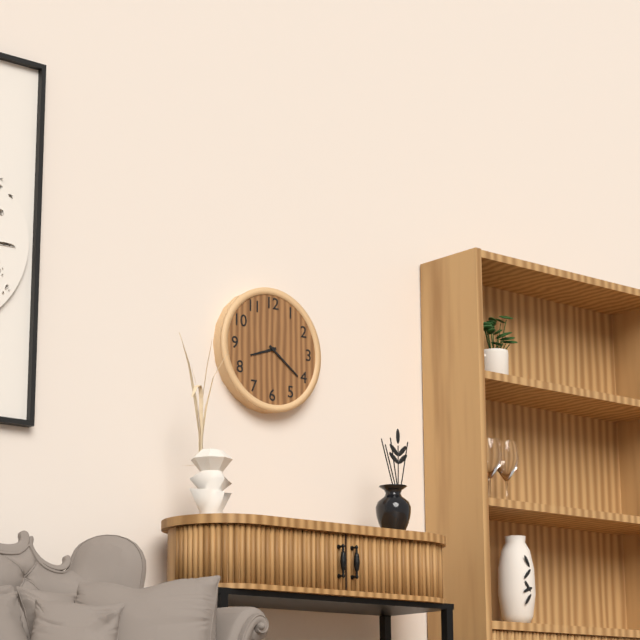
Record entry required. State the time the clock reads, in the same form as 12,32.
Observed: 8,21
